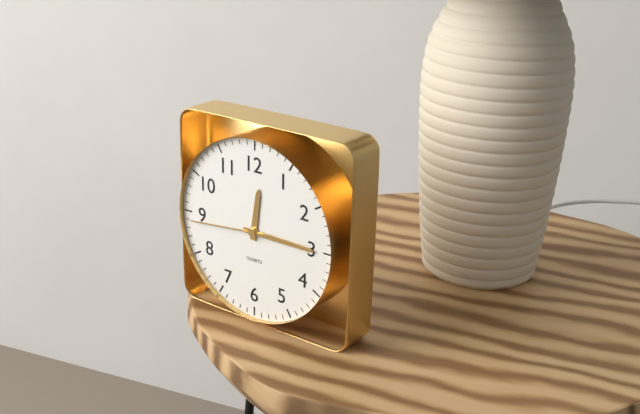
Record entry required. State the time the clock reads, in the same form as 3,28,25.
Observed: 12,15,44
